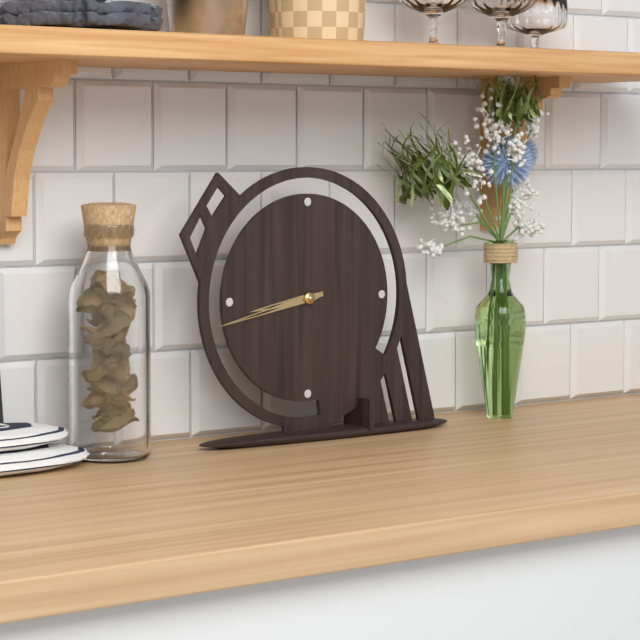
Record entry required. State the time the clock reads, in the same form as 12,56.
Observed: 8,43
